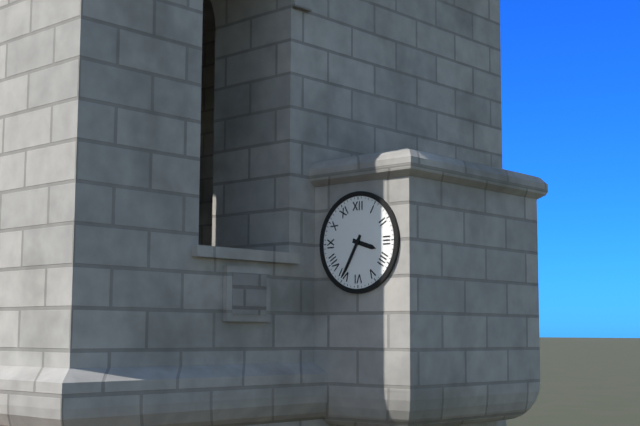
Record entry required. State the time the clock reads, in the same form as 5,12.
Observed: 3,35
